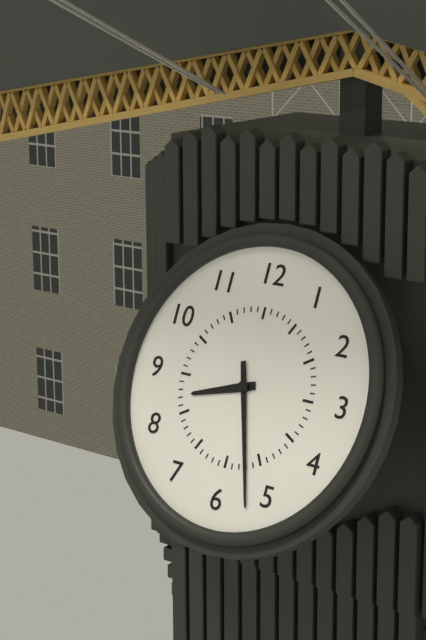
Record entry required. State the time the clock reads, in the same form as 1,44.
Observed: 8,27
